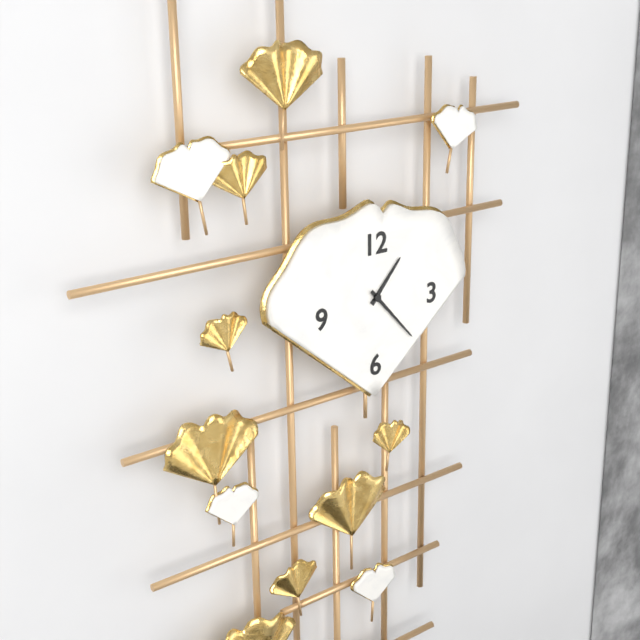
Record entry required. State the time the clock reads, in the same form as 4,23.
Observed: 1,23
